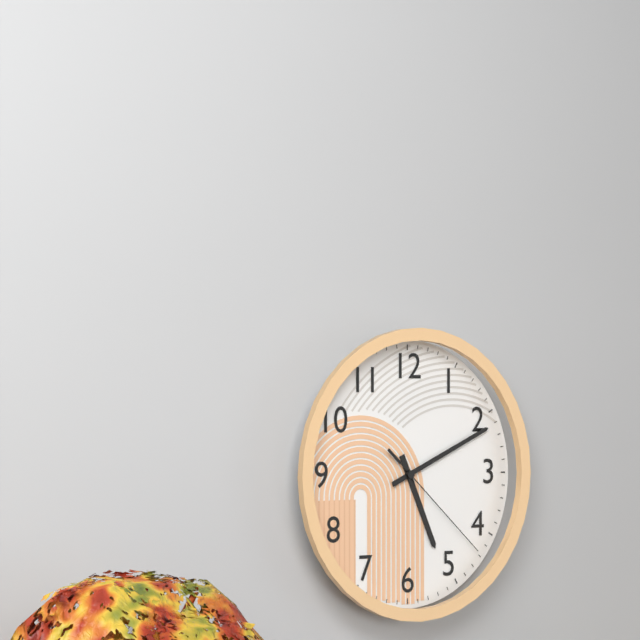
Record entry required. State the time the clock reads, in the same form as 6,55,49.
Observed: 5,11,22
